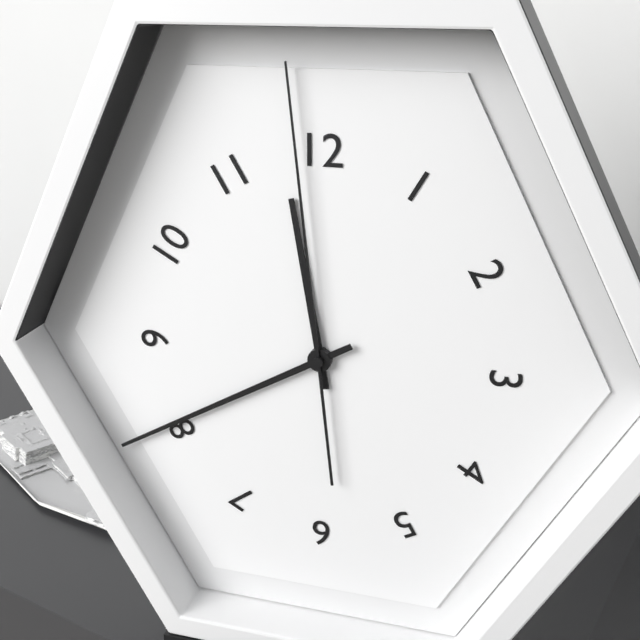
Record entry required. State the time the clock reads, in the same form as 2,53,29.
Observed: 11,40,59
